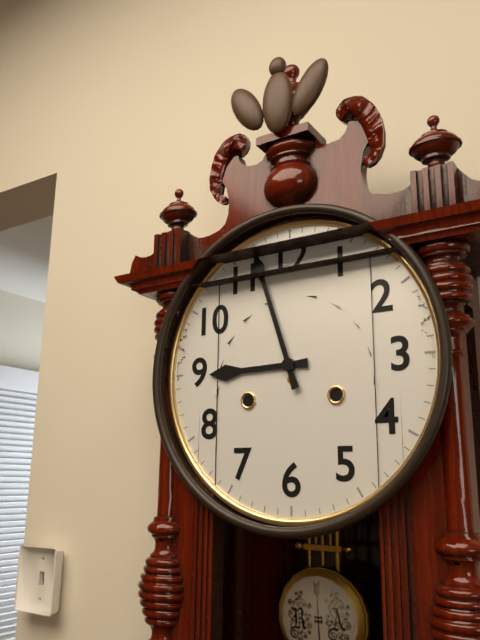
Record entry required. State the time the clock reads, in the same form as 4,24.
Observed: 8,57
